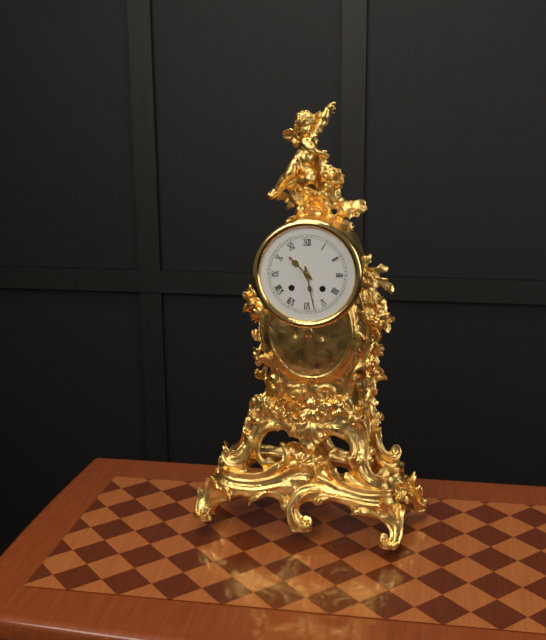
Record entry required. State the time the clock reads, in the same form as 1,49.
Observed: 10,28
